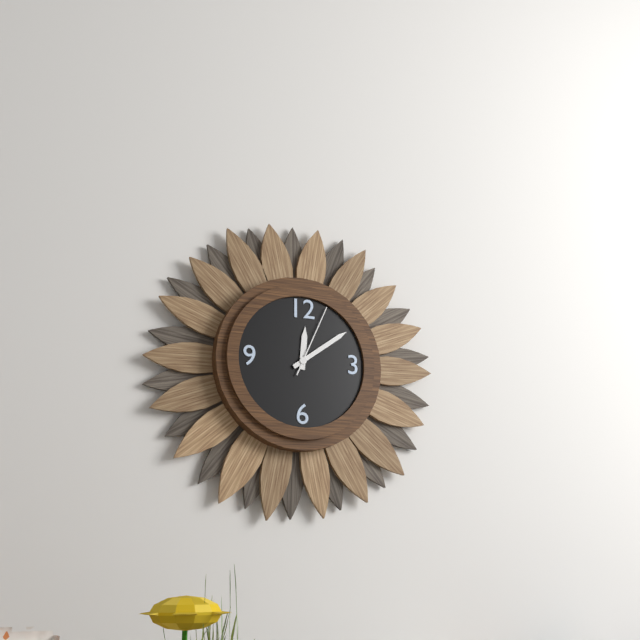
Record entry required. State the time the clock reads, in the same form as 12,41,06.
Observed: 12,09,04
